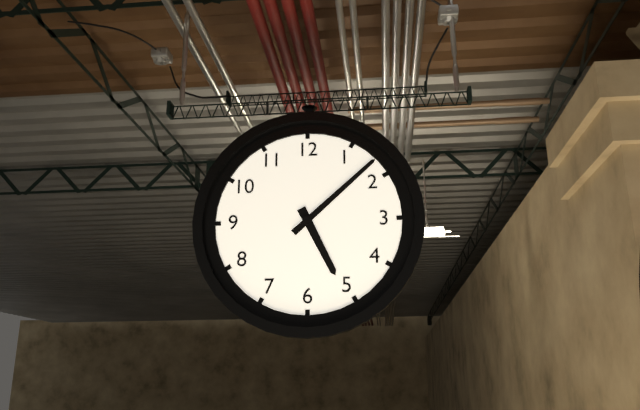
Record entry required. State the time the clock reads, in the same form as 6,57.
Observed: 5,08
